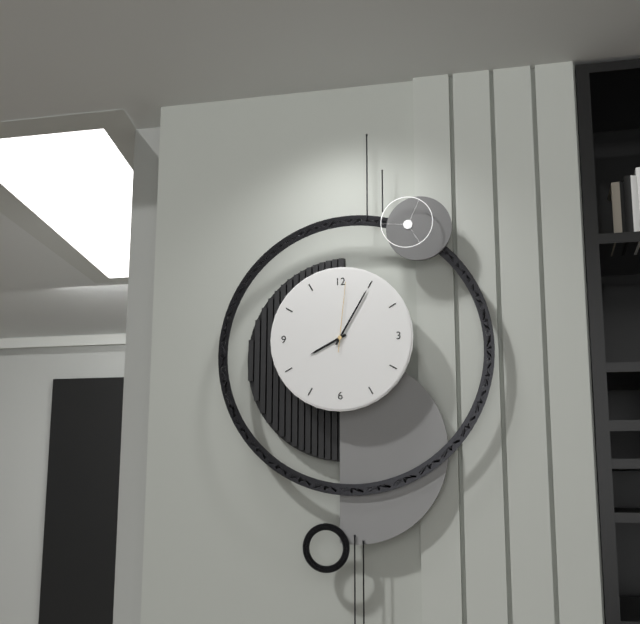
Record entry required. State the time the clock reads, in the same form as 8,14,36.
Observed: 8,05,01
